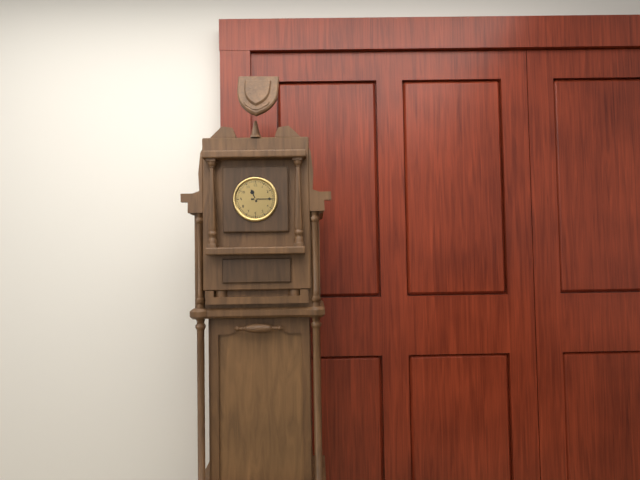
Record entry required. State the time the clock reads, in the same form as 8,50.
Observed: 11,15
